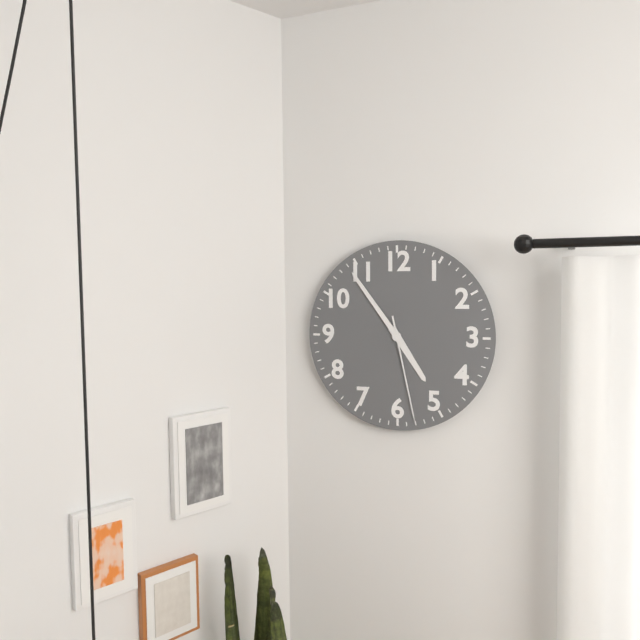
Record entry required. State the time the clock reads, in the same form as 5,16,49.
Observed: 4,54,28
